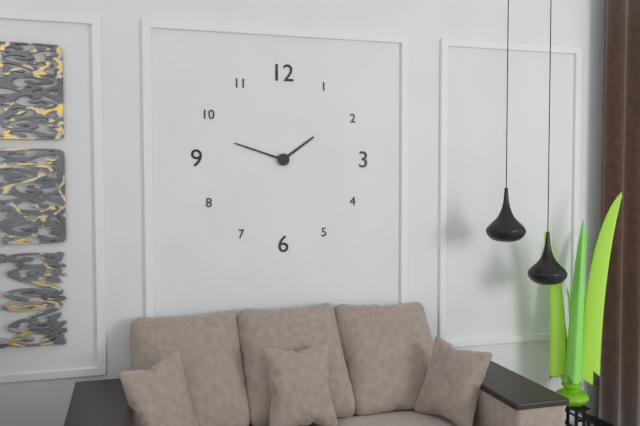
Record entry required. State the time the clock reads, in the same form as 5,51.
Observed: 1,48
